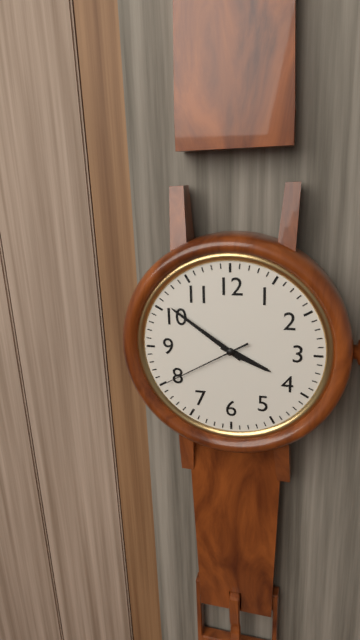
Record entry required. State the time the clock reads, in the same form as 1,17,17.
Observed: 3,51,40
